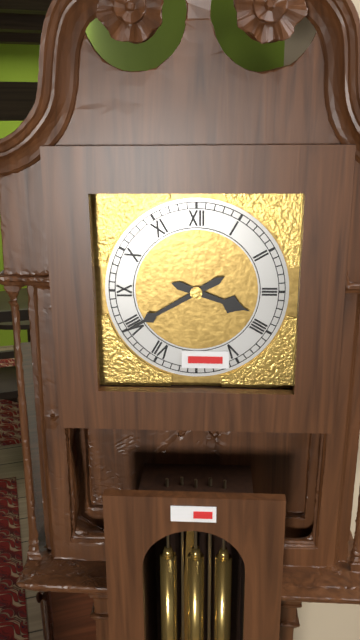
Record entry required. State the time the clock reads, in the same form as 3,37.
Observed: 3,40
